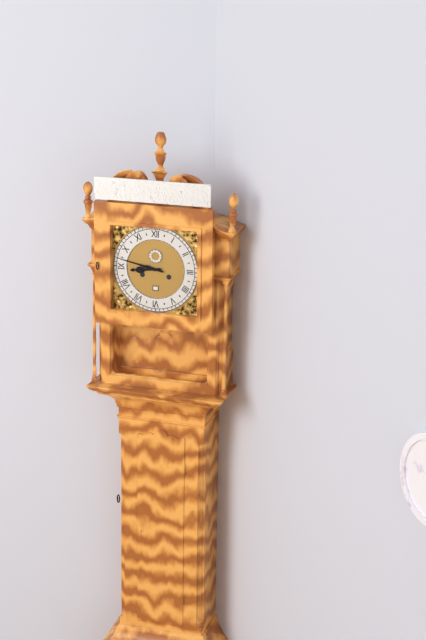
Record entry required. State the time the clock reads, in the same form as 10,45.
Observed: 8,47
